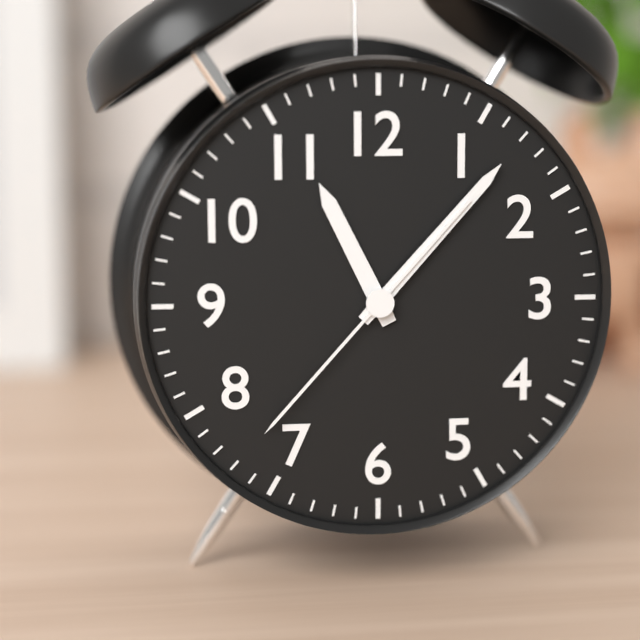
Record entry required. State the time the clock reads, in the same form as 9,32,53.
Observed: 11,07,37
